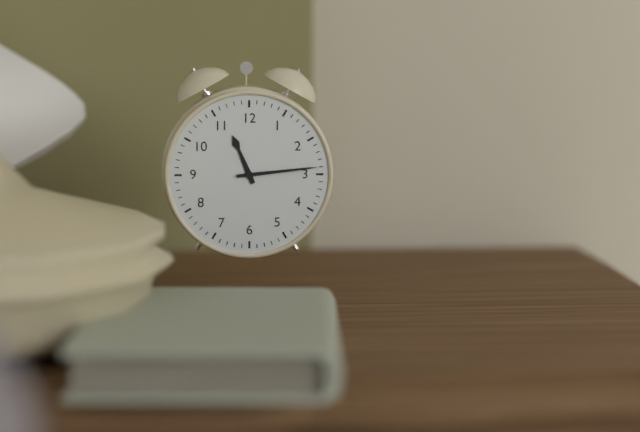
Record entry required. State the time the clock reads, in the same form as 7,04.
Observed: 11,14
